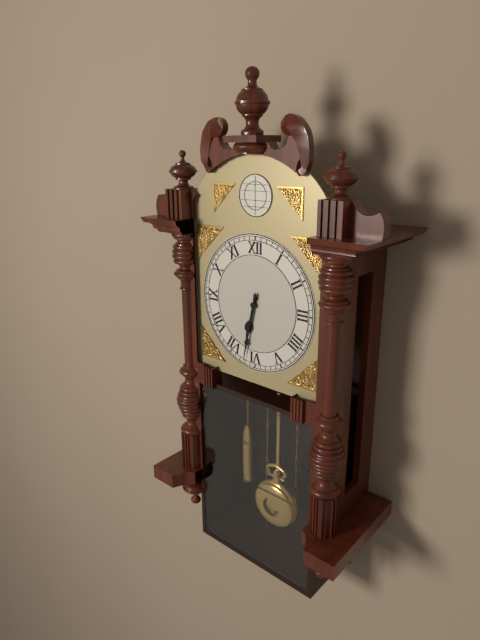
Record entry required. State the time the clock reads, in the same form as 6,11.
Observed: 6,32
